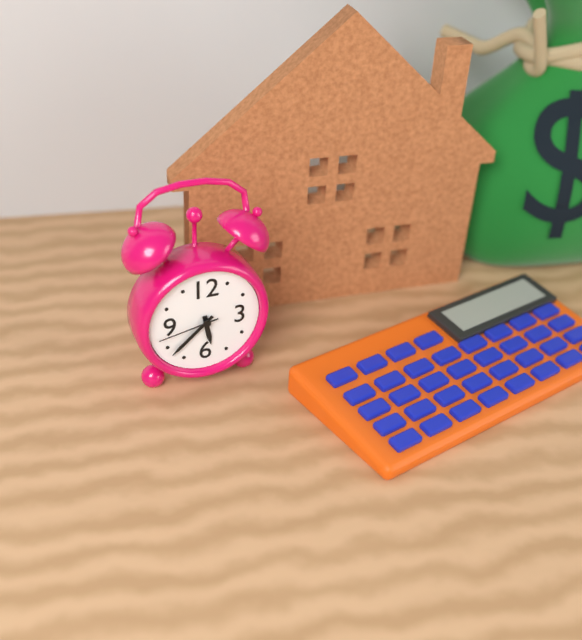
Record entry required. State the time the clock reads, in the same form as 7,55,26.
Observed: 5,38,43
